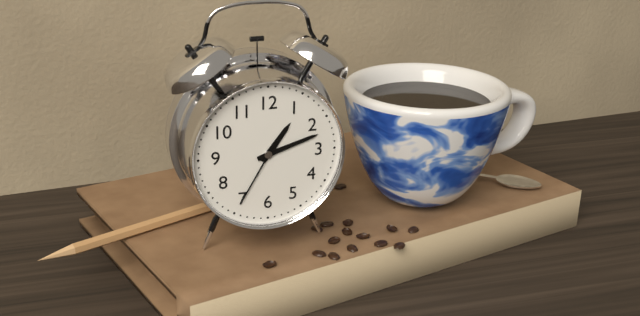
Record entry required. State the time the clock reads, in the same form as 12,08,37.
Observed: 1,12,35
